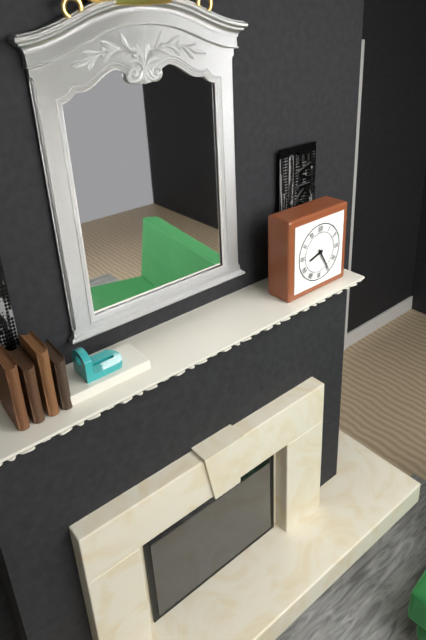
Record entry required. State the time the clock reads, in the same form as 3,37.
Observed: 8,25
